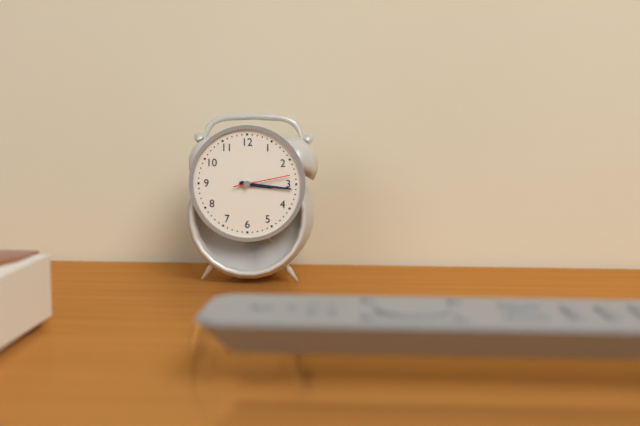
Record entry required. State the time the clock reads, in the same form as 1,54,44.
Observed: 3,16,13
